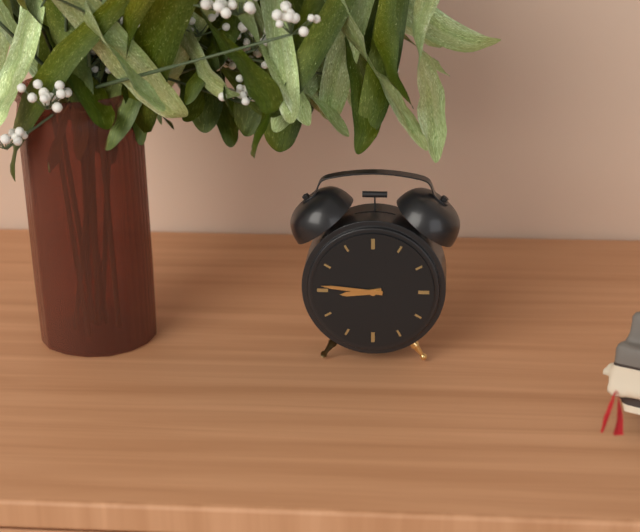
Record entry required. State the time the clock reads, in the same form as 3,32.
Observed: 8,46
